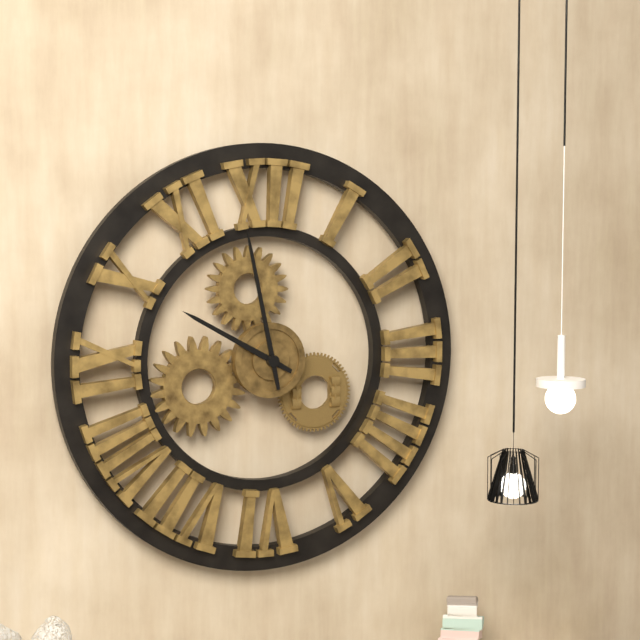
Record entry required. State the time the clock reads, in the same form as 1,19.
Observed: 9,58
